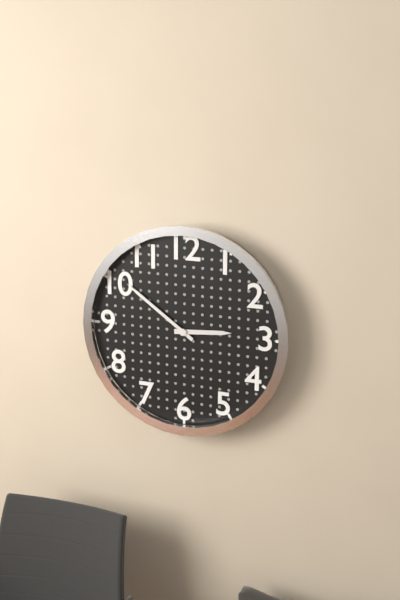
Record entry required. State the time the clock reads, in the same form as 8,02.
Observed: 2,51
